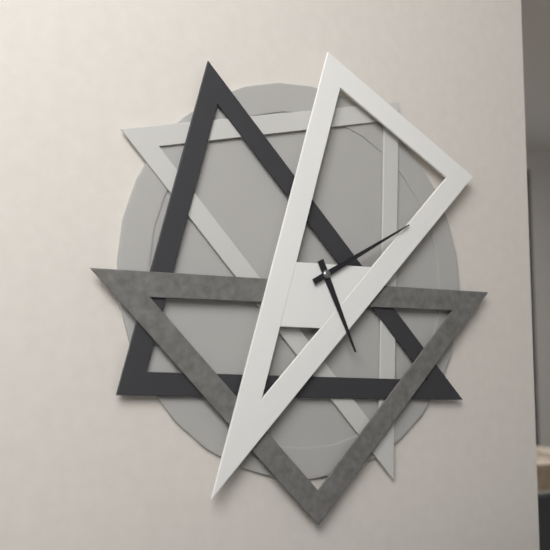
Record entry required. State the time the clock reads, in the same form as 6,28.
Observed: 5,10
